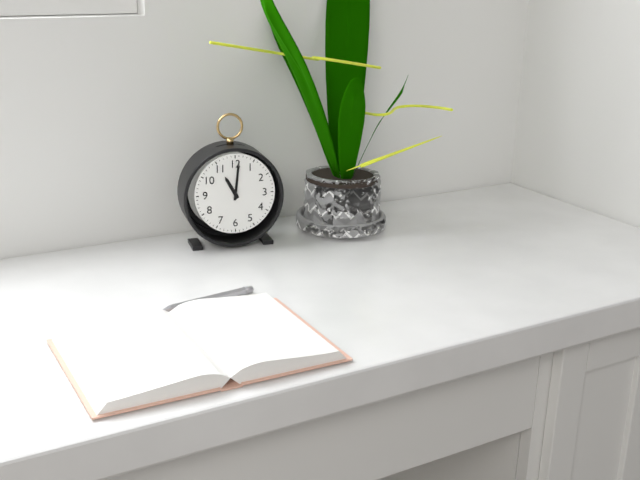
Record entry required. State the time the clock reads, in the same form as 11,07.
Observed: 11,01
